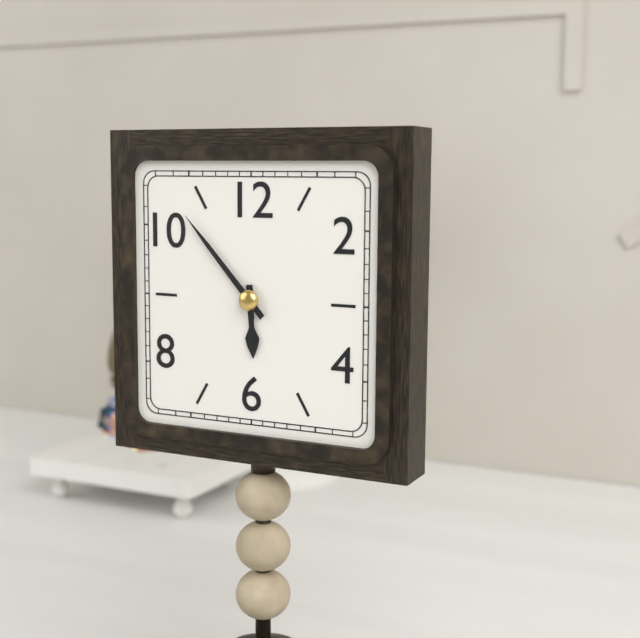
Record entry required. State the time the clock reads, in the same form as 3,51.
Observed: 5,53
